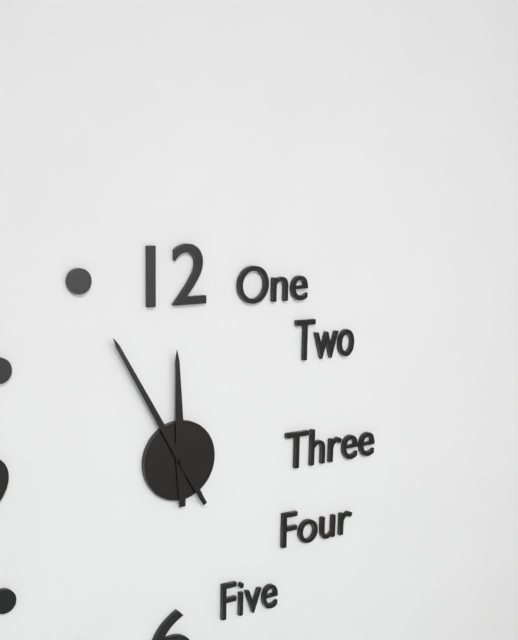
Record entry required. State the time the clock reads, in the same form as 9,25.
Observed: 11,55
